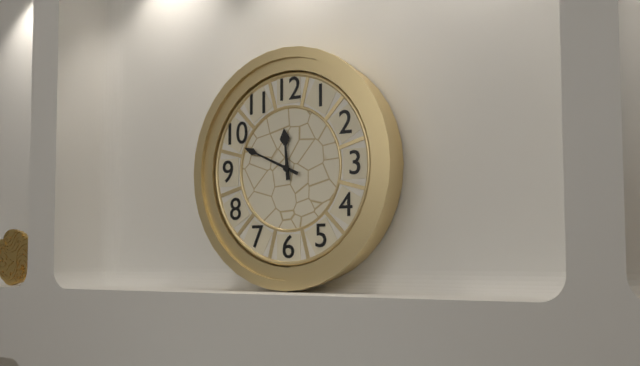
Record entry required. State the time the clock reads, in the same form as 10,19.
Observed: 11,49
